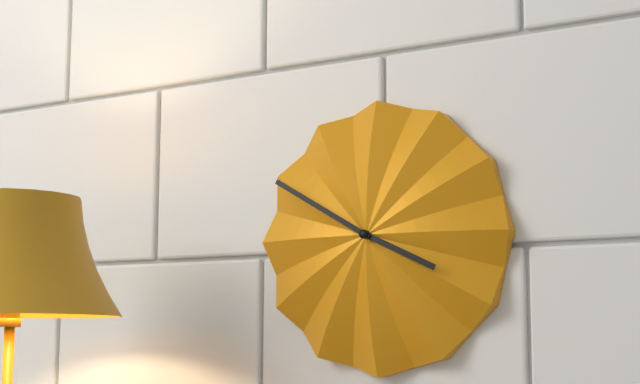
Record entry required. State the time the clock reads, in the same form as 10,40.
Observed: 3,50
